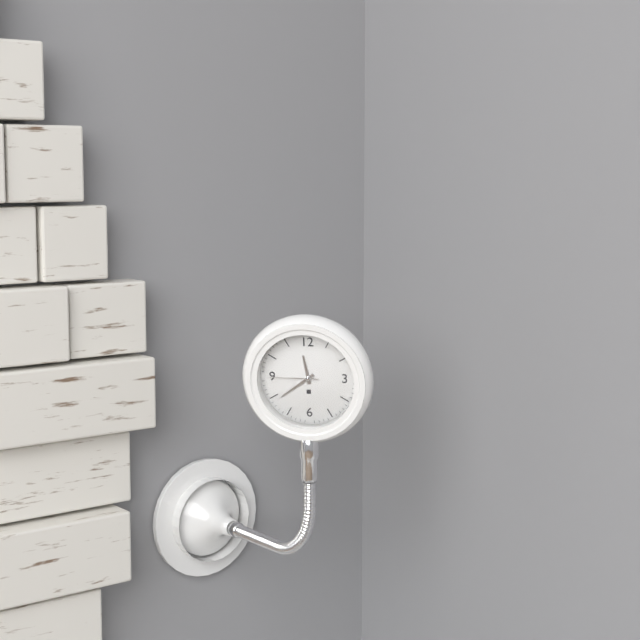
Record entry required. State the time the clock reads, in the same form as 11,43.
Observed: 11,39
